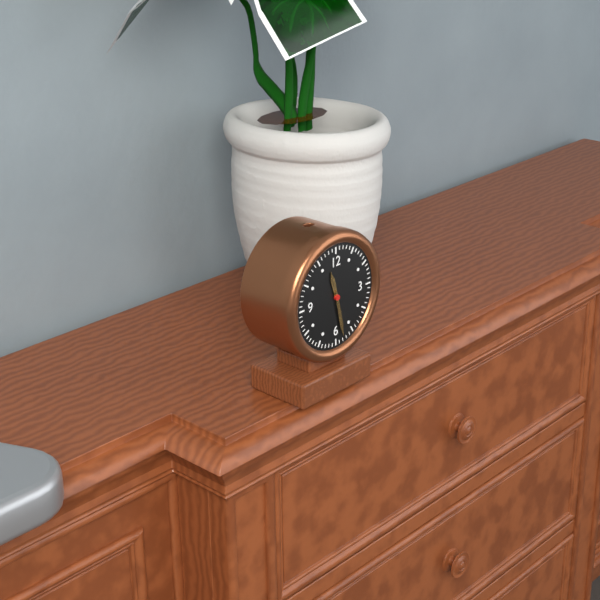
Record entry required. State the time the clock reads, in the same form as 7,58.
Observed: 11,28
